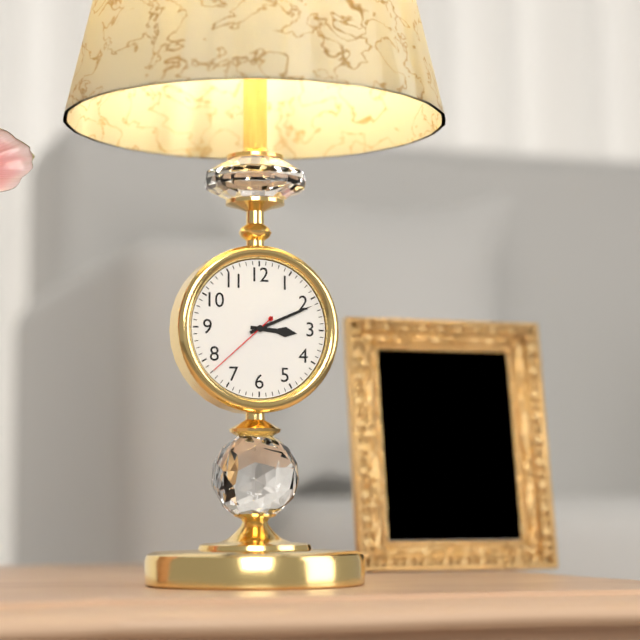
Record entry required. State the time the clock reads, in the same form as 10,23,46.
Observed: 3,11,38
